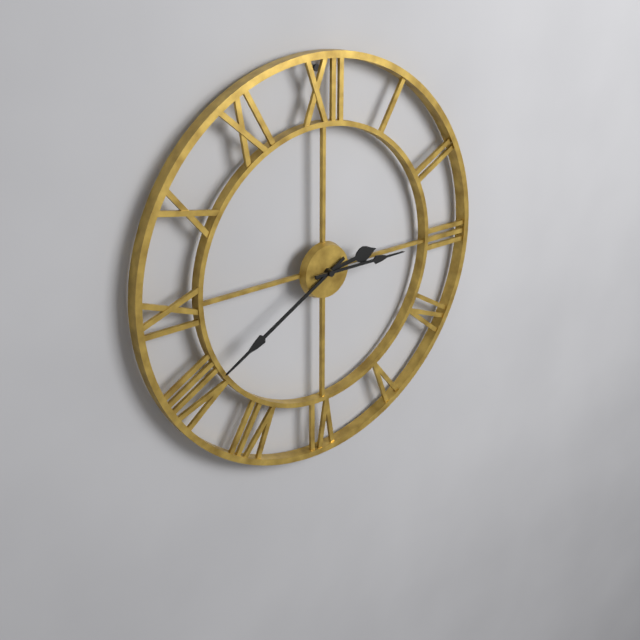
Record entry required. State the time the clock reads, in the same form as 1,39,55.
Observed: 2,40,15
